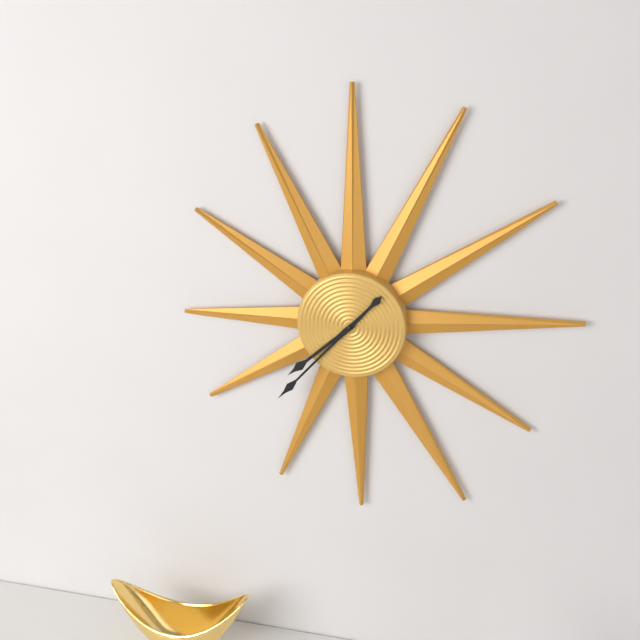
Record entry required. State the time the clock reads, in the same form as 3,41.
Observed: 7,37
